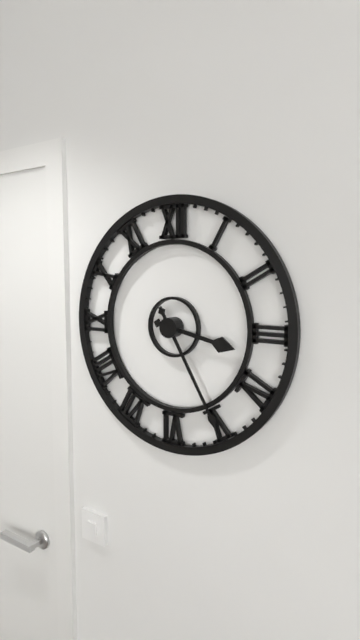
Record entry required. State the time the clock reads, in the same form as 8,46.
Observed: 3,25
